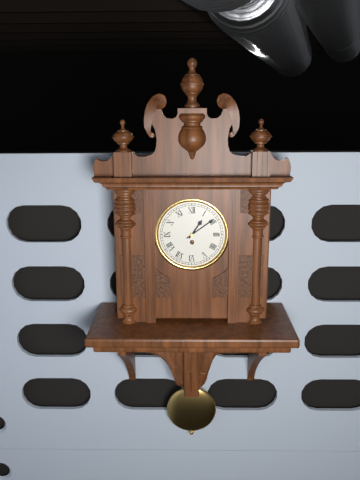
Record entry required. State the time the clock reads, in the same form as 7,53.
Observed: 1,09
